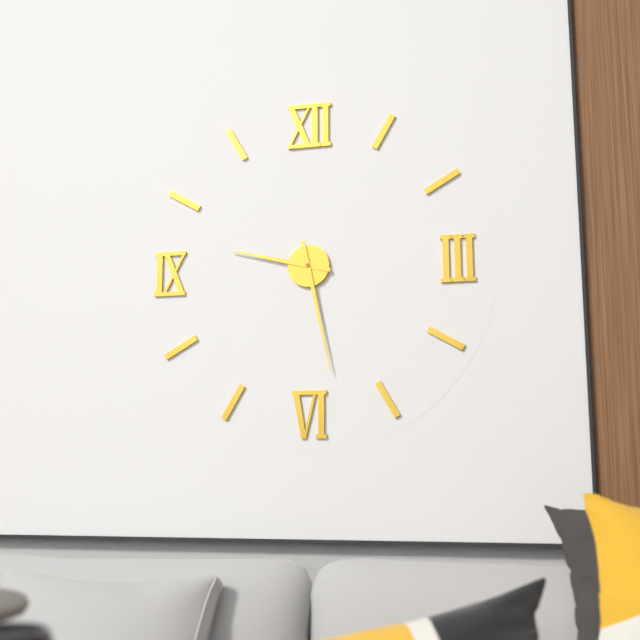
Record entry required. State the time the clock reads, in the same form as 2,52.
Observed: 9,28
